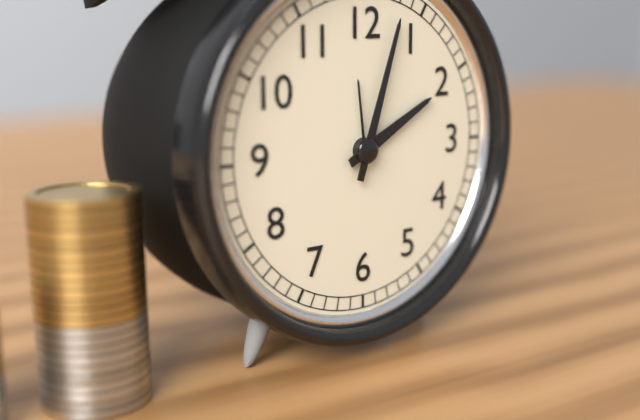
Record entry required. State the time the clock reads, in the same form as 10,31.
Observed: 2,03
